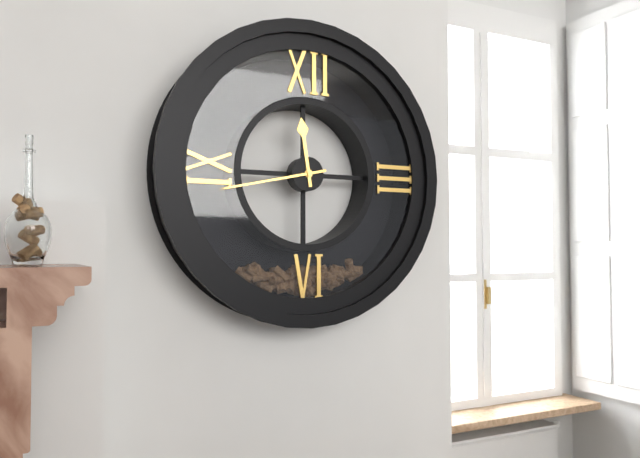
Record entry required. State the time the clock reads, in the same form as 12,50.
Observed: 11,43
